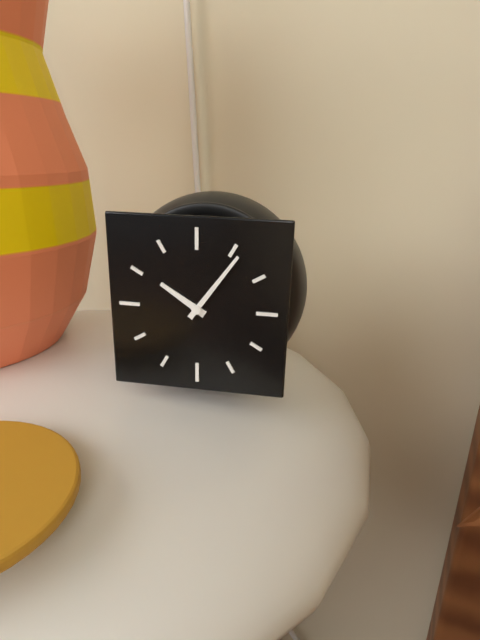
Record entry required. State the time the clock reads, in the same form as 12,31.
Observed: 10,06
